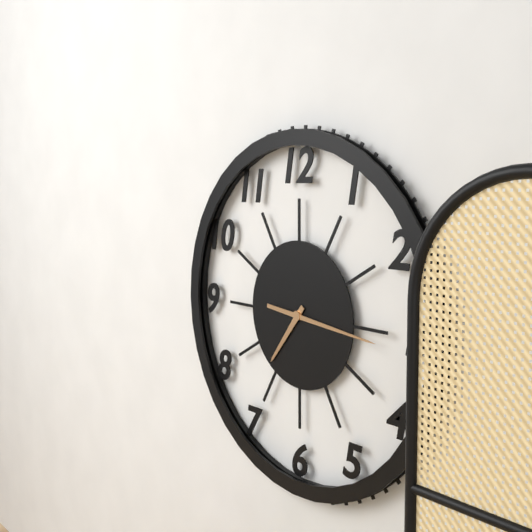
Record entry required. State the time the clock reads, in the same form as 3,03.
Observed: 7,16
